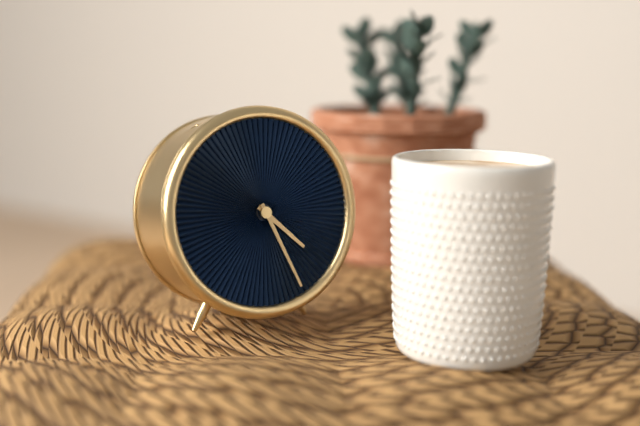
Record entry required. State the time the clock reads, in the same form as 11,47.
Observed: 4,26
